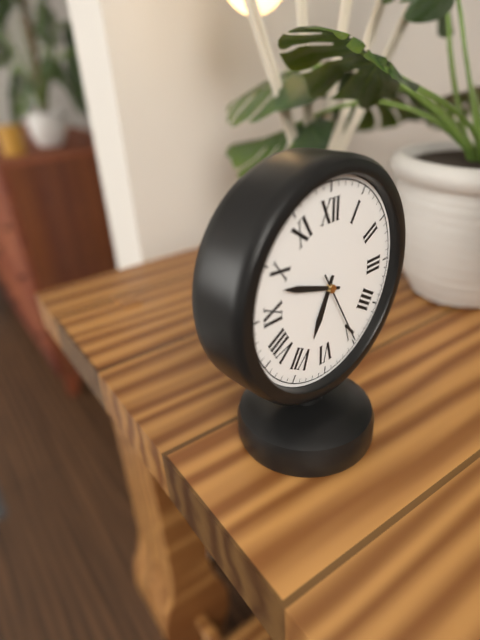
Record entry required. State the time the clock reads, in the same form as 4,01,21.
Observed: 6,48,25
